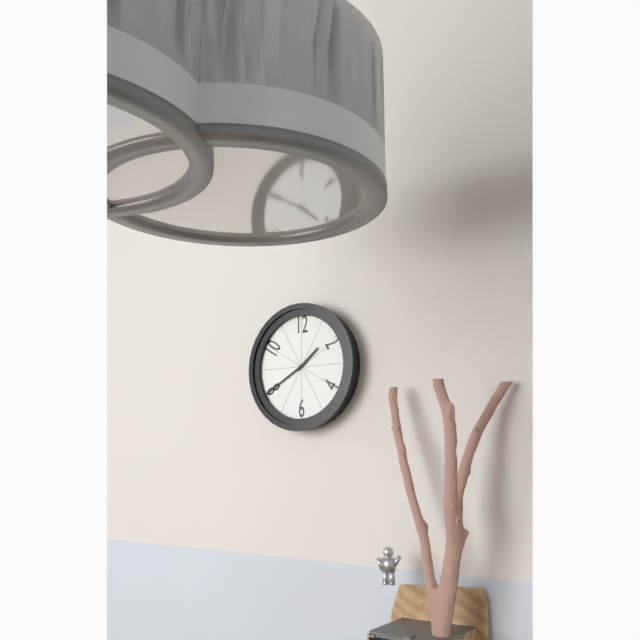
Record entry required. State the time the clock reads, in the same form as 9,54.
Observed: 1,40
